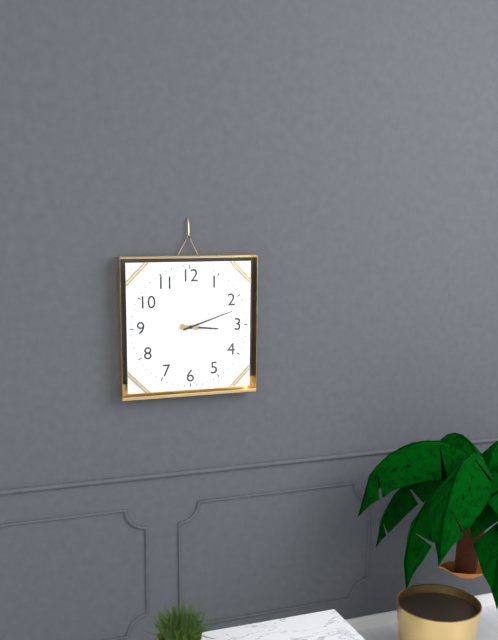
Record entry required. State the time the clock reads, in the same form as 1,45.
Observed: 3,12
